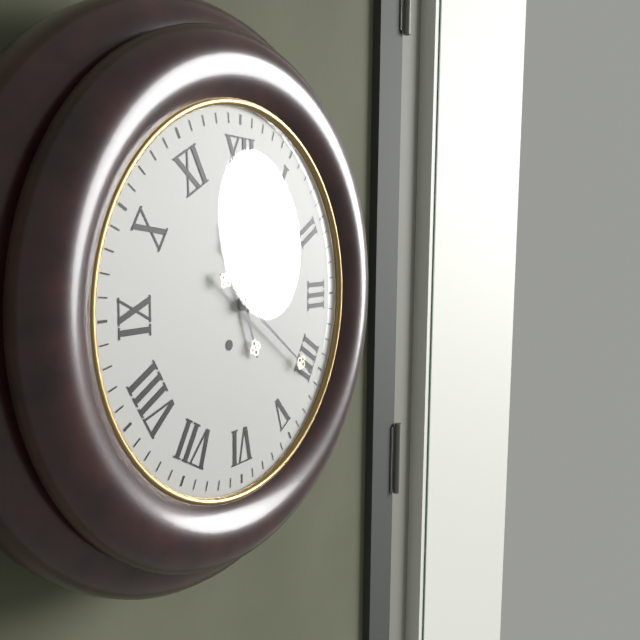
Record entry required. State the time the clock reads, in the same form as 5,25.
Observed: 11,21
